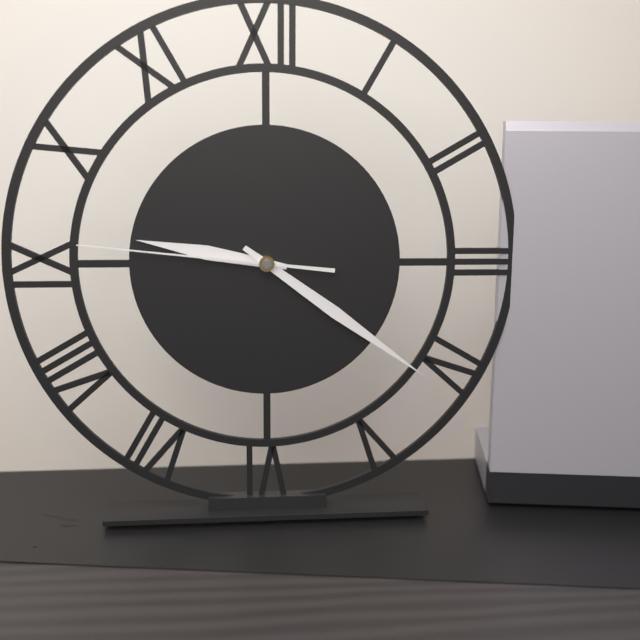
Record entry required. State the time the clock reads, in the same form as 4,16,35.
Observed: 9,21,46
